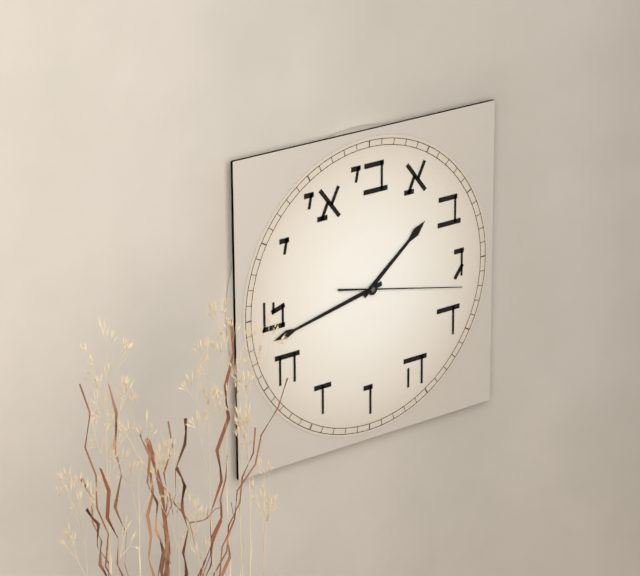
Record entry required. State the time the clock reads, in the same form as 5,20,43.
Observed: 1,43,17
